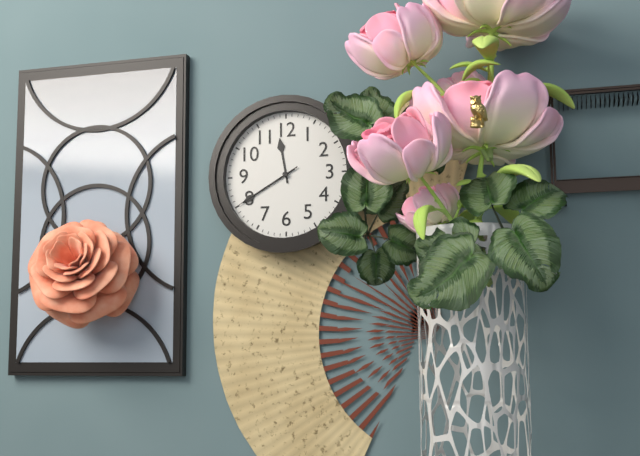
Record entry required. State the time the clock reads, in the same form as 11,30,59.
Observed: 11,40,40
